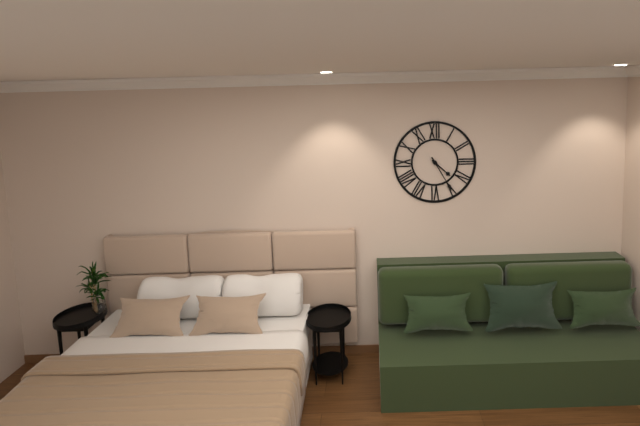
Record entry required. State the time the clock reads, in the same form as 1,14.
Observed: 4,25
